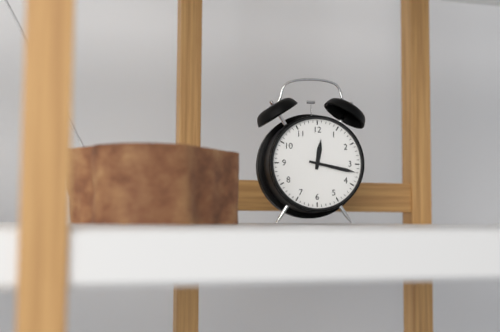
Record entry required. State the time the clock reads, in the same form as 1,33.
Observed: 12,17
